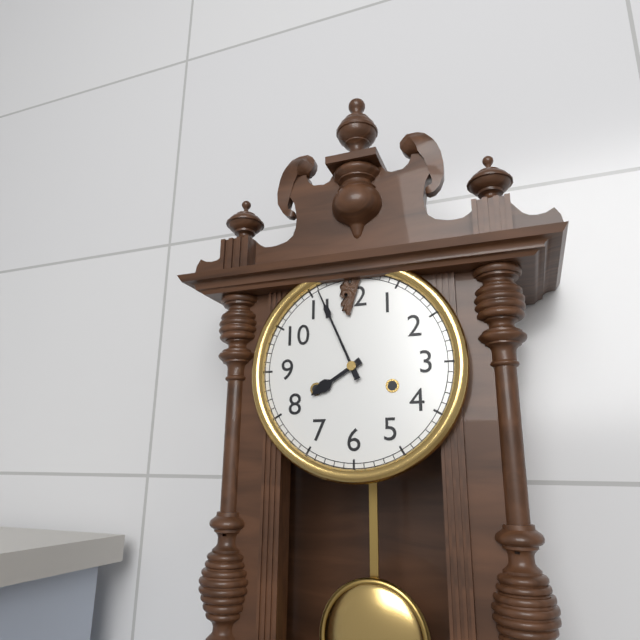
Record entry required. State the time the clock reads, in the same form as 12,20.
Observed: 7,56
